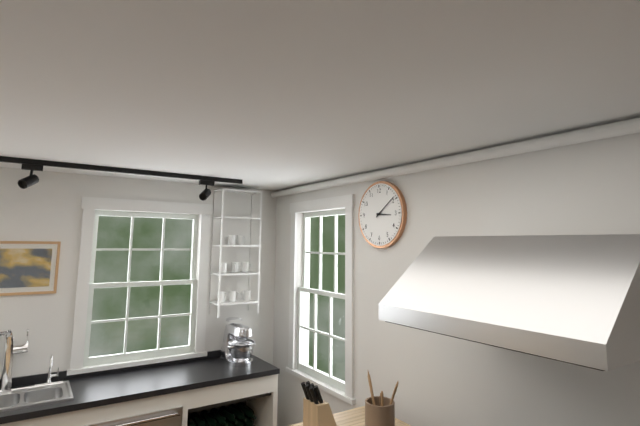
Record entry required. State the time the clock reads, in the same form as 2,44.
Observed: 3,09
